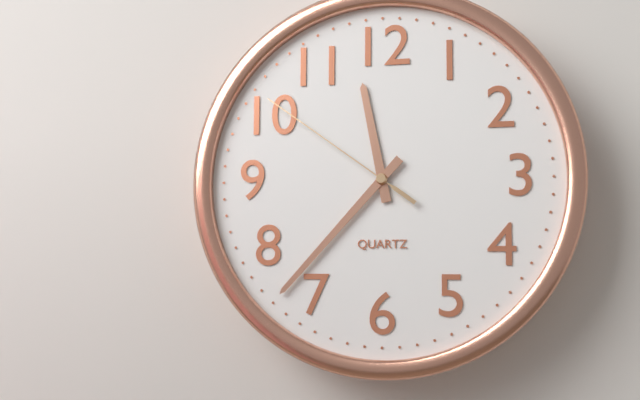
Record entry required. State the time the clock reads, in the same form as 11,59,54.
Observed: 11,37,51
